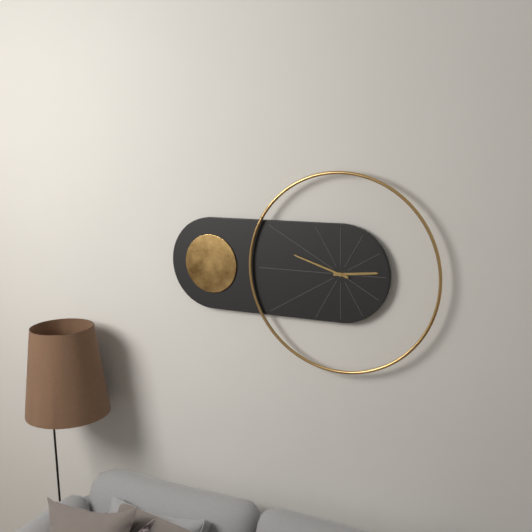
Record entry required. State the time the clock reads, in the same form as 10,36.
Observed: 2,48
